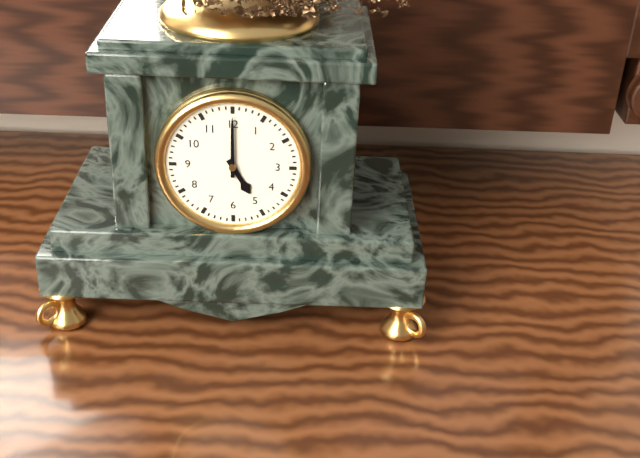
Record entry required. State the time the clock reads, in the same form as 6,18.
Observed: 5,00
